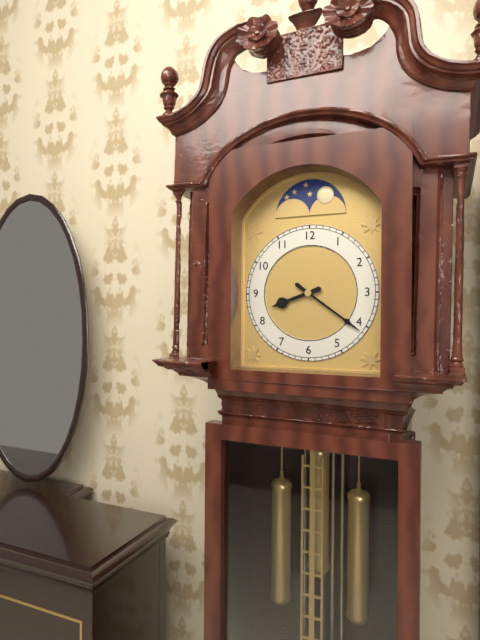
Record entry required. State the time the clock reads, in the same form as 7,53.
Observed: 8,21
